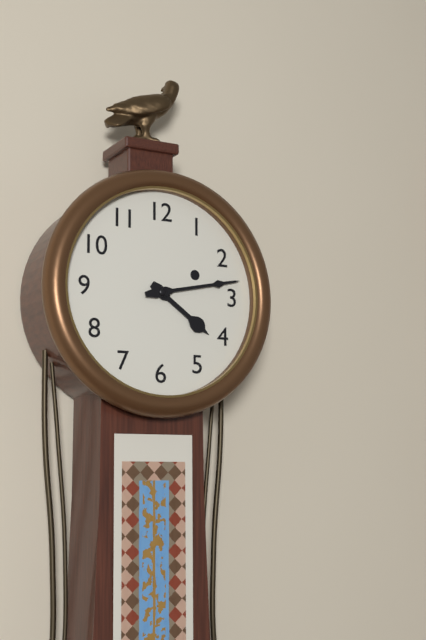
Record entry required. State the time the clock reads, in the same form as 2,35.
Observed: 4,13
